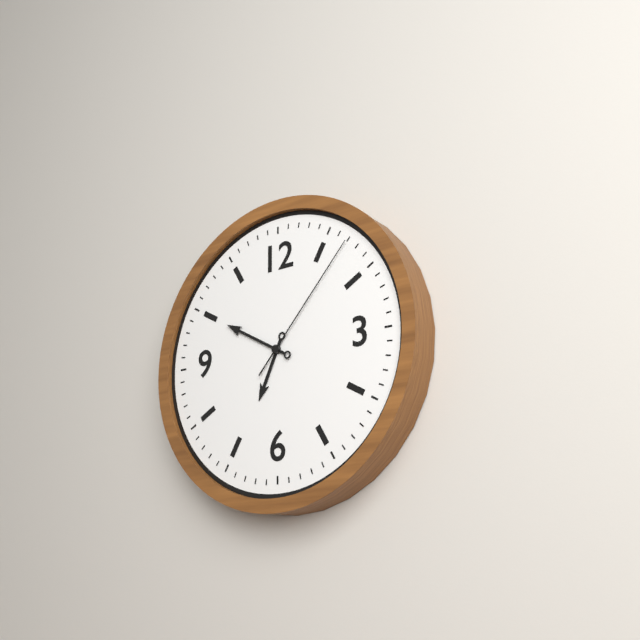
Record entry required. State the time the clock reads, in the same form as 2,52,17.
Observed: 6,50,07
